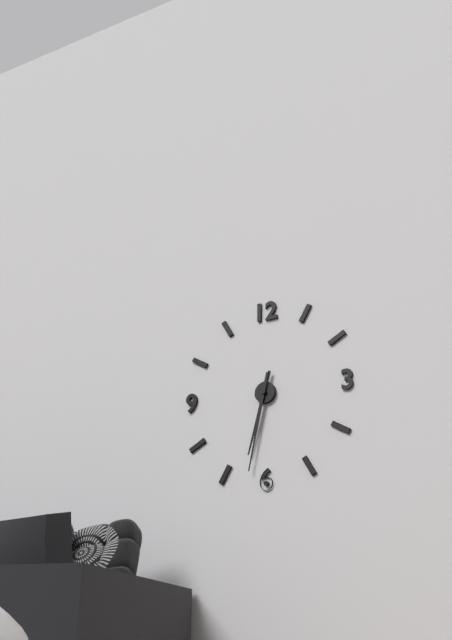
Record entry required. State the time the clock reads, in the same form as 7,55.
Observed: 6,32
